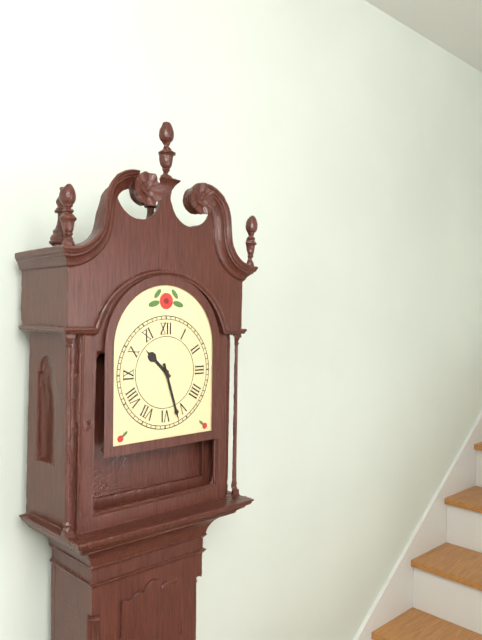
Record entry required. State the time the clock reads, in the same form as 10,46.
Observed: 10,27
